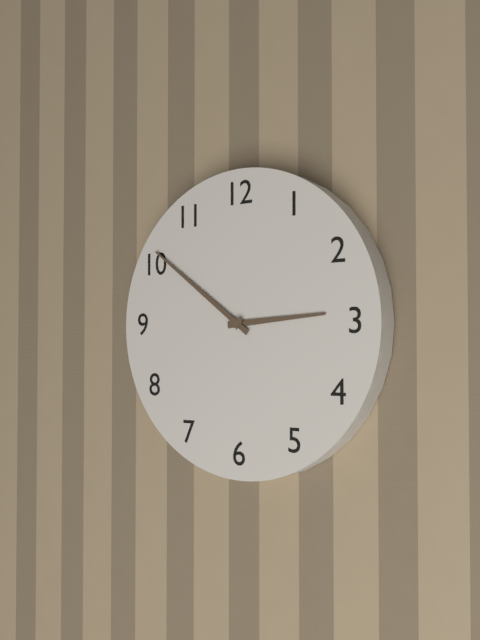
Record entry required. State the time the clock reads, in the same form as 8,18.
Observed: 2,51
